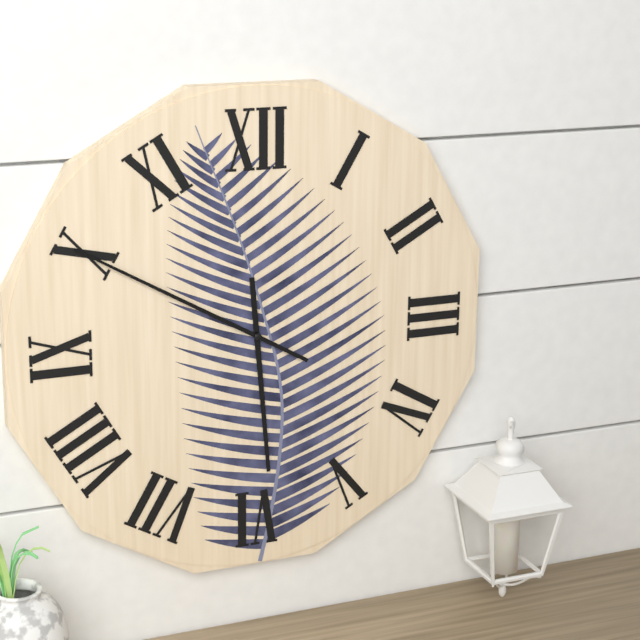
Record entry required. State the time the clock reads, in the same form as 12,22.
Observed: 5,50
